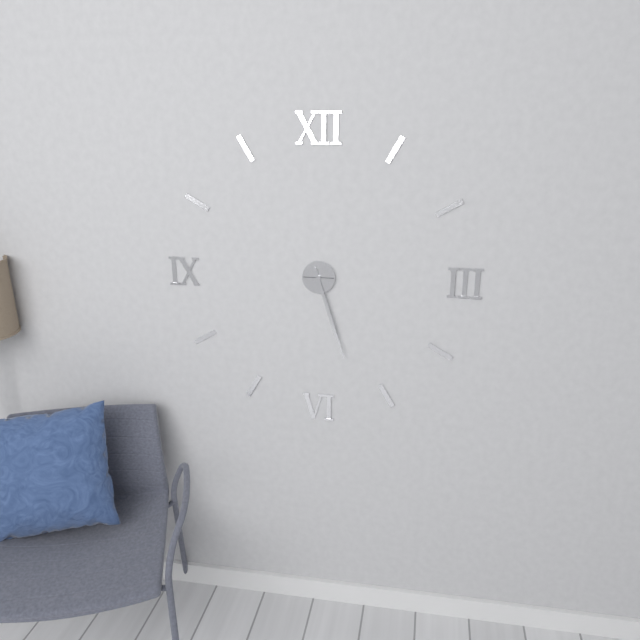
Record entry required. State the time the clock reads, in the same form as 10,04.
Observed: 5,27
